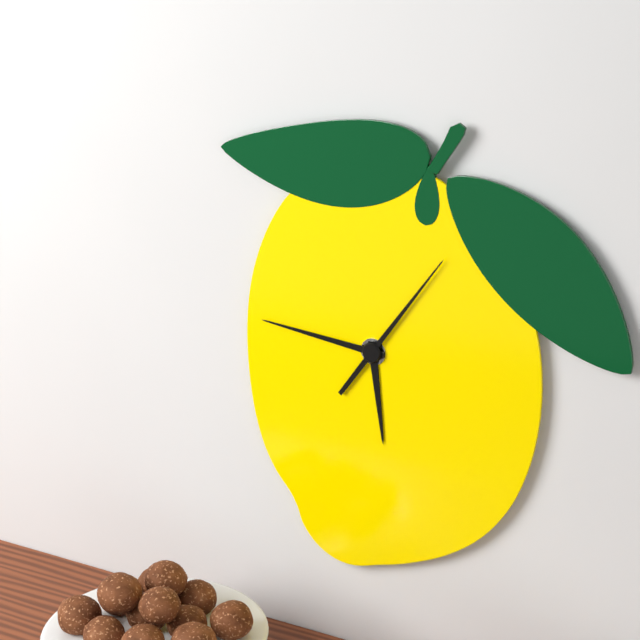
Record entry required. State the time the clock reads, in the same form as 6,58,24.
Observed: 5,46,06
